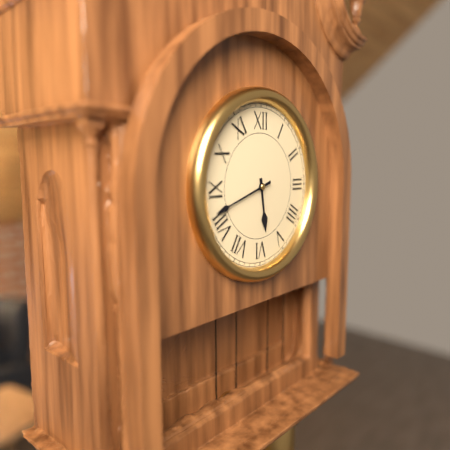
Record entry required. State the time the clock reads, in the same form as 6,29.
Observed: 5,42
